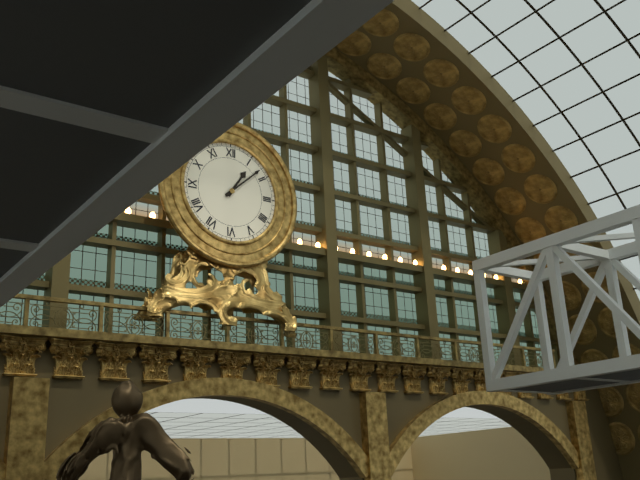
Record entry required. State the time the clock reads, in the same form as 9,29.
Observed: 1,08
